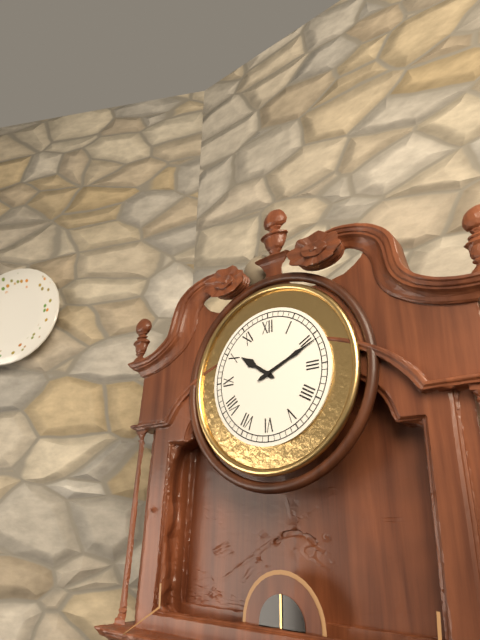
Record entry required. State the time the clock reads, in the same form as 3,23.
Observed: 10,11
